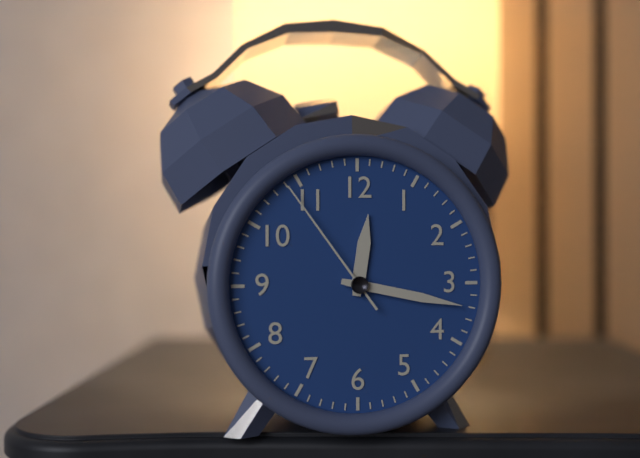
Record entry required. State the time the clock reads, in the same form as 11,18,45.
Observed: 12,17,54
